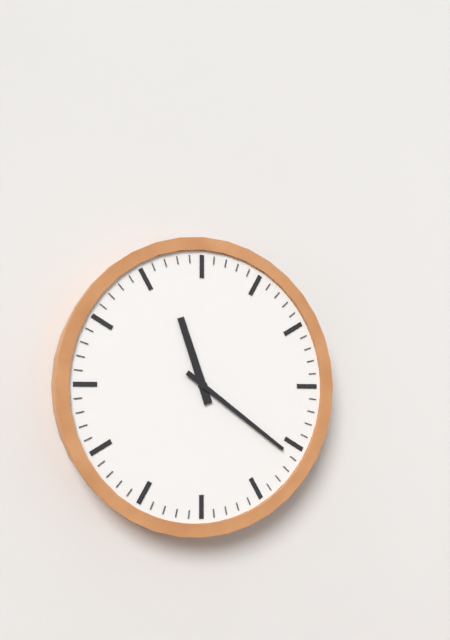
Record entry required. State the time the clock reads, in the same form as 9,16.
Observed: 11,21
